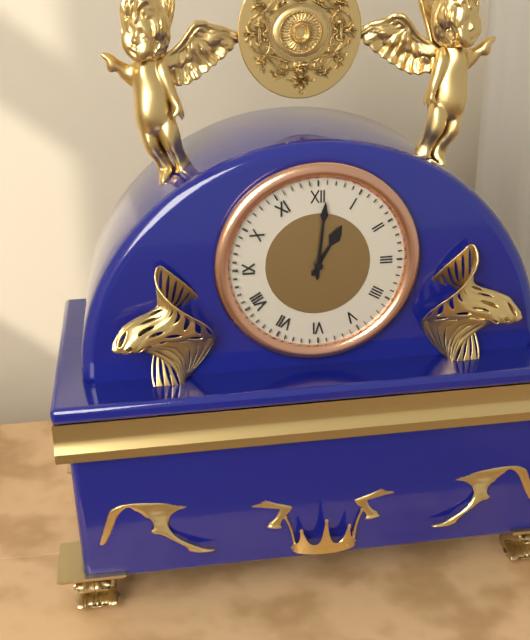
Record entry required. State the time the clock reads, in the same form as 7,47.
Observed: 1,01
